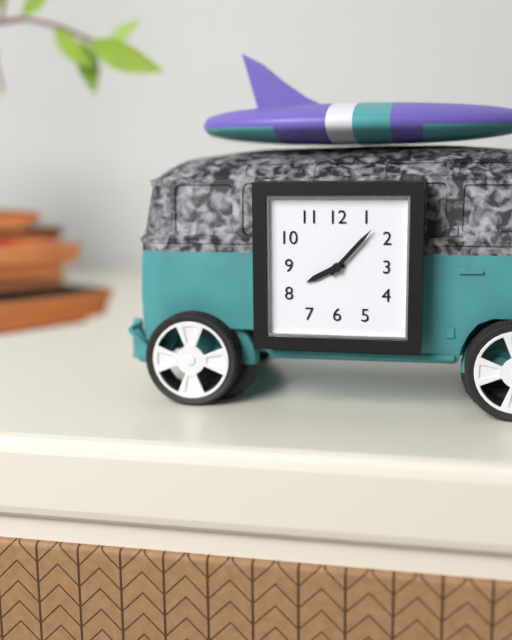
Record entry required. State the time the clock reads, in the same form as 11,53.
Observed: 8,07
